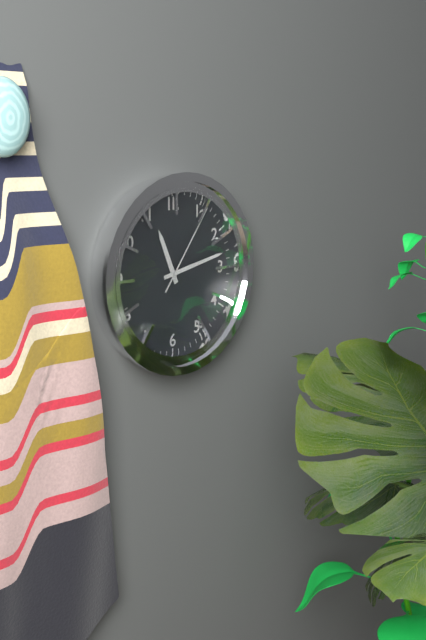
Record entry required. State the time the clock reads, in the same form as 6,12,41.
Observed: 11,13,06
